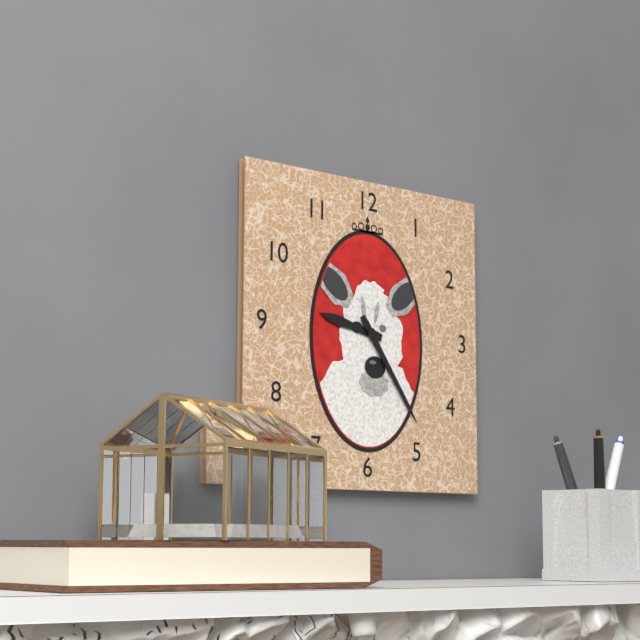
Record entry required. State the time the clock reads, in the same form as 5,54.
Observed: 9,24
